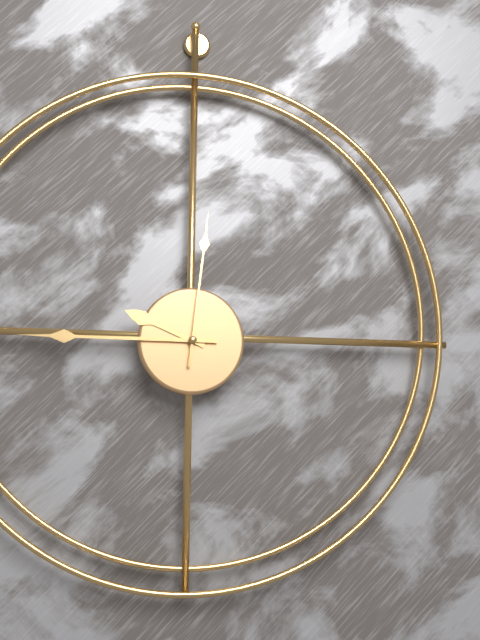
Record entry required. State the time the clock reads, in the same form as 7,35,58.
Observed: 9,45,01
